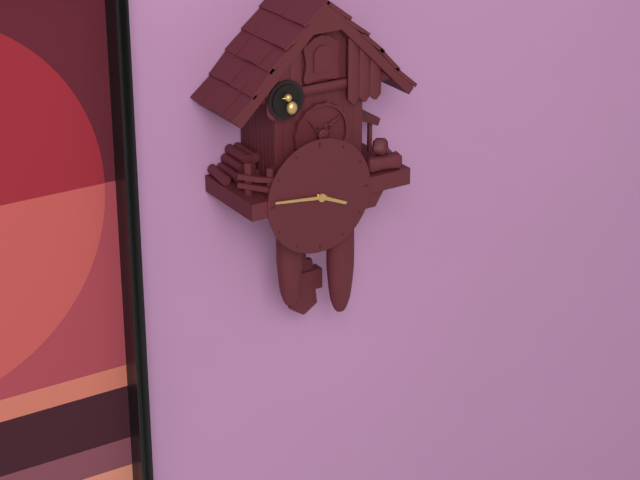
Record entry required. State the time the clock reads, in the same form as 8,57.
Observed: 3,46
